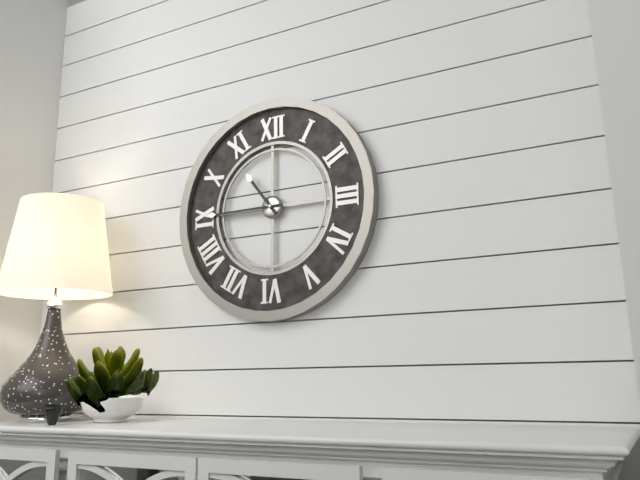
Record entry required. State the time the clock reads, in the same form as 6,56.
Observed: 10,45
